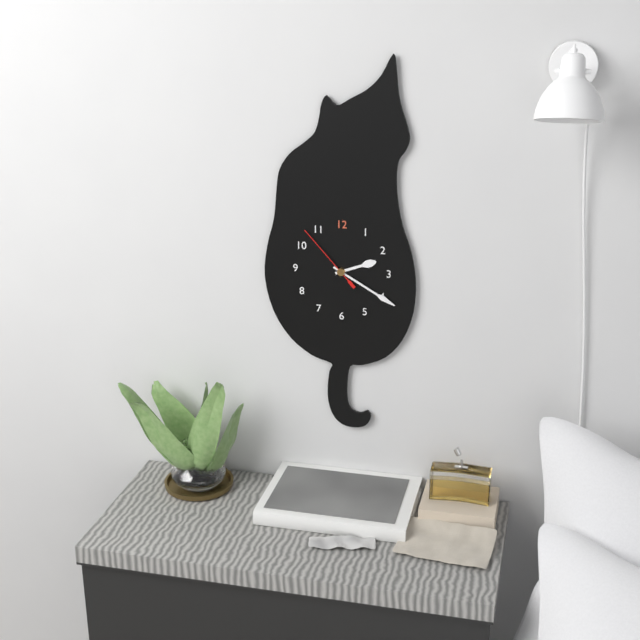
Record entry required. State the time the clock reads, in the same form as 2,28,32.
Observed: 2,20,53
